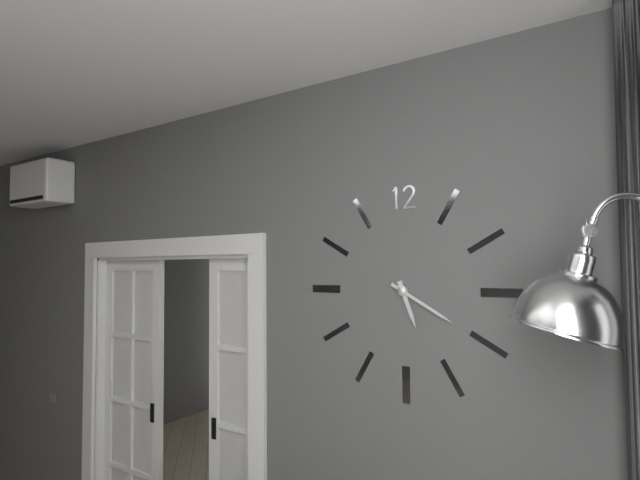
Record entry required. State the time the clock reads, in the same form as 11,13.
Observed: 5,20
